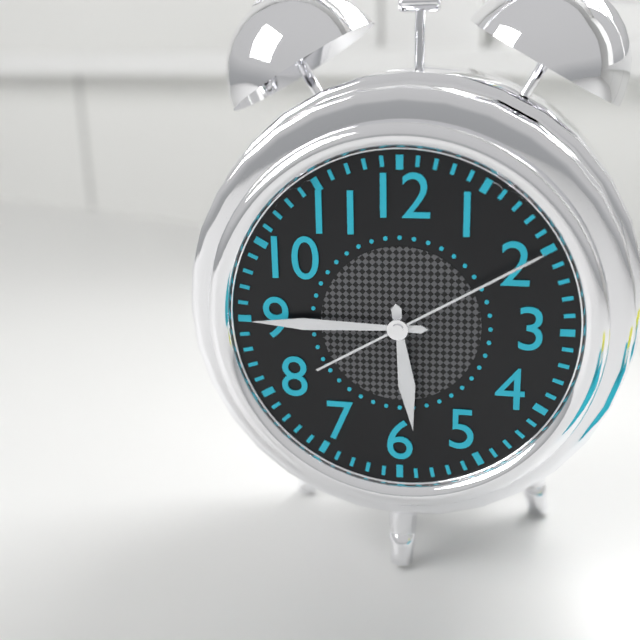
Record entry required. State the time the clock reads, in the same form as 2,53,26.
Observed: 5,45,10
